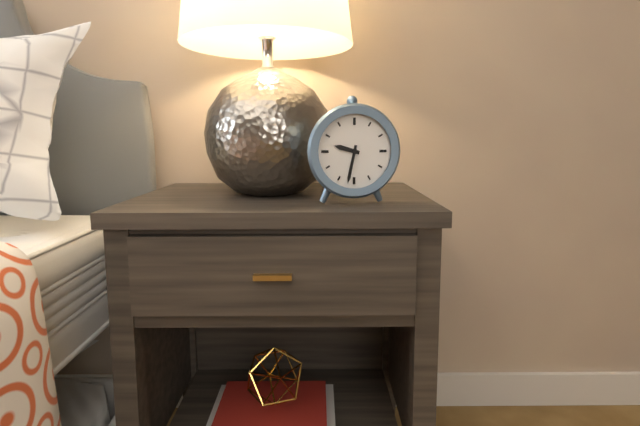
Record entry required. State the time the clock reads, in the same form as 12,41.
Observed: 9,32
